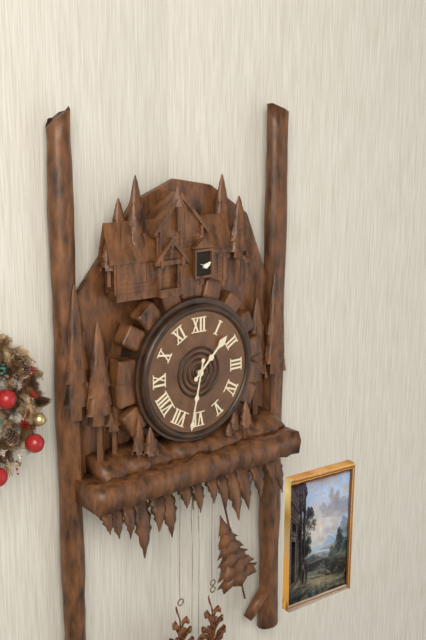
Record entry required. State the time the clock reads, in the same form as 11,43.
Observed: 1,32
